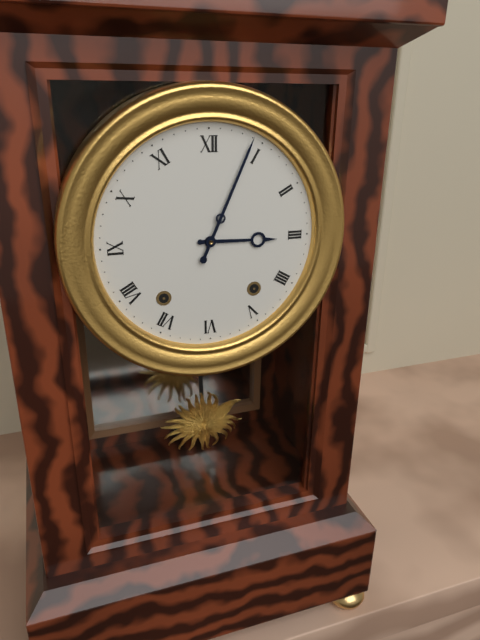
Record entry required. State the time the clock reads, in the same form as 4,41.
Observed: 3,04
